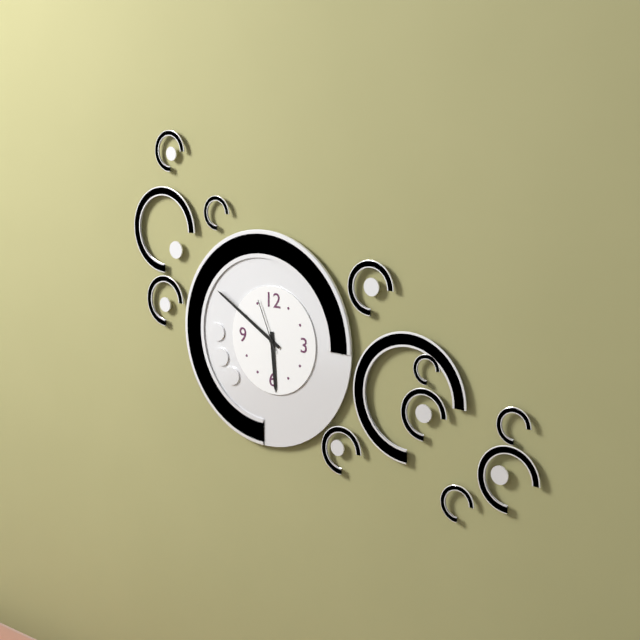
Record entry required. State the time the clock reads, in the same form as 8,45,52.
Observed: 5,50,56
